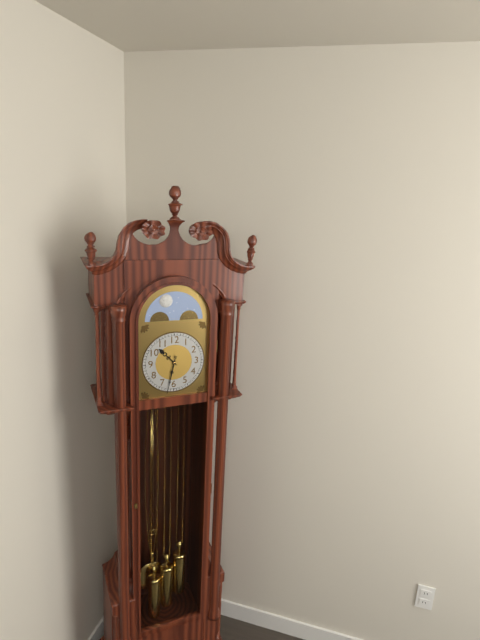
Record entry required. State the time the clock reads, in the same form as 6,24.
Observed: 10,32
